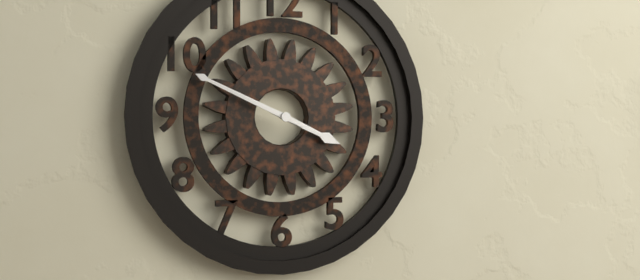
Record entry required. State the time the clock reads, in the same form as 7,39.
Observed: 3,49
